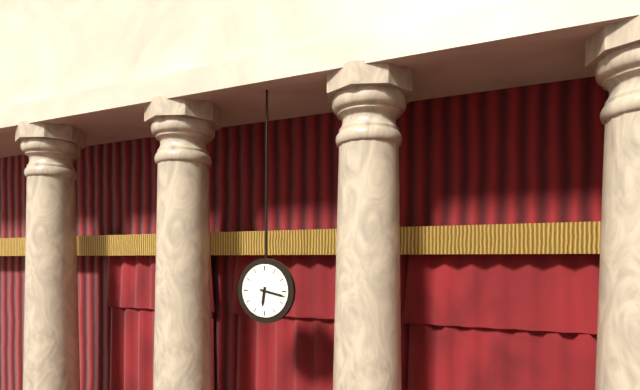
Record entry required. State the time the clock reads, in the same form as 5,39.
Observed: 6,17
